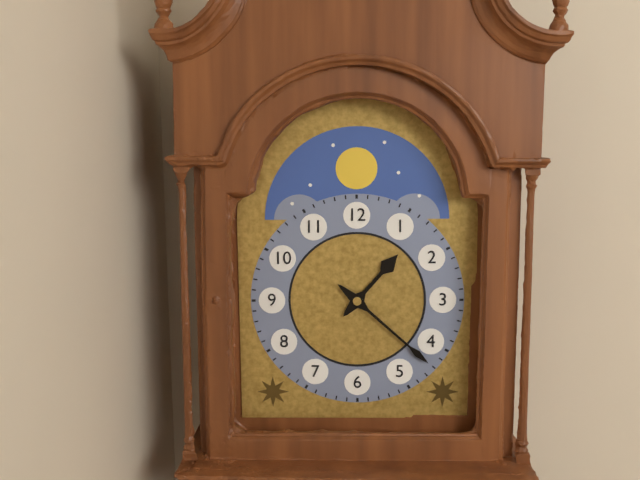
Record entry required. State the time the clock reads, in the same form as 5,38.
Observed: 1,22
